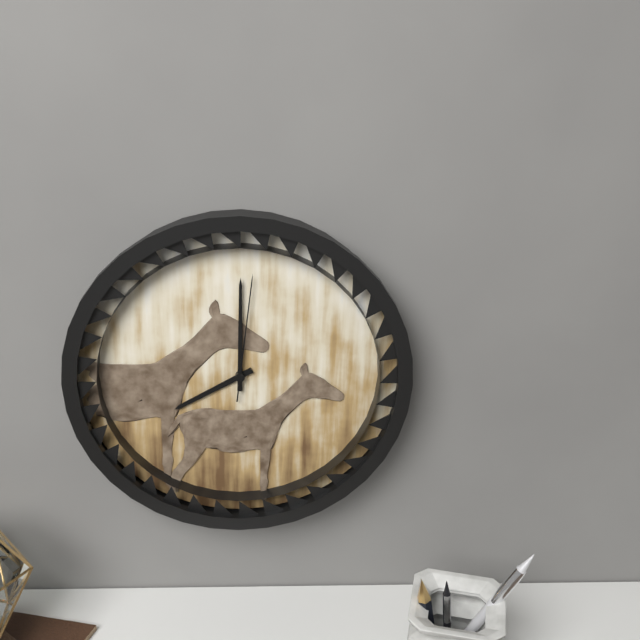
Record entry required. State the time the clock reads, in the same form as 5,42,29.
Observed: 8,00,01
